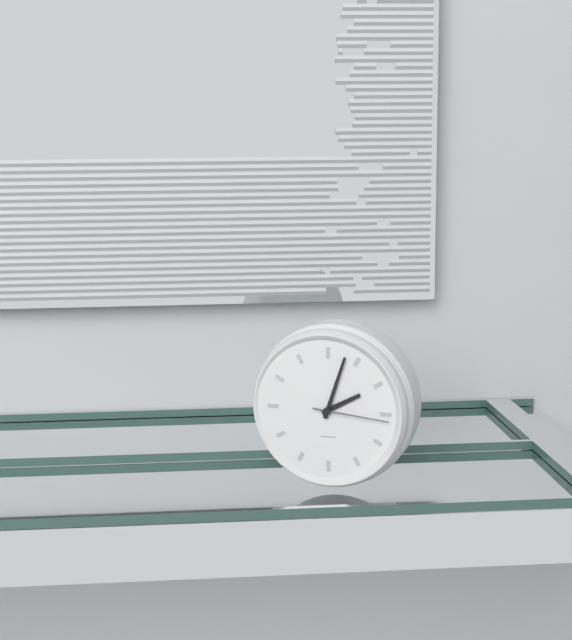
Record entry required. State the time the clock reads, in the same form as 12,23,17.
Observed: 2,03,16
